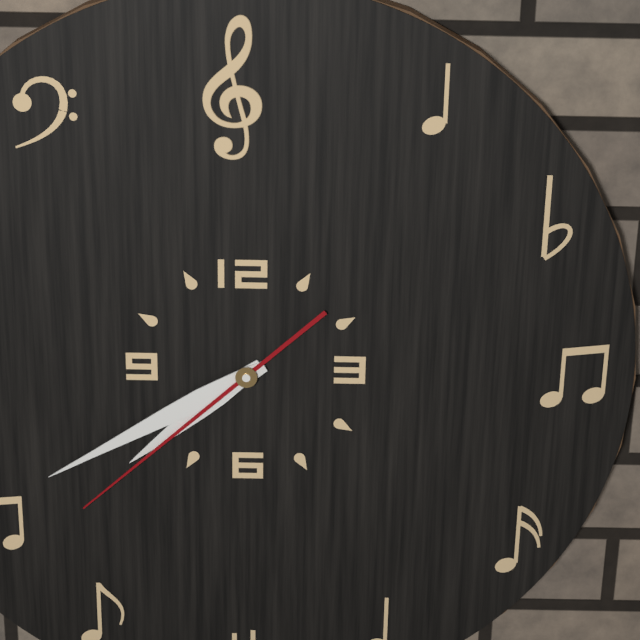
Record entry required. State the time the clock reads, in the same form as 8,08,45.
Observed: 7,40,38
